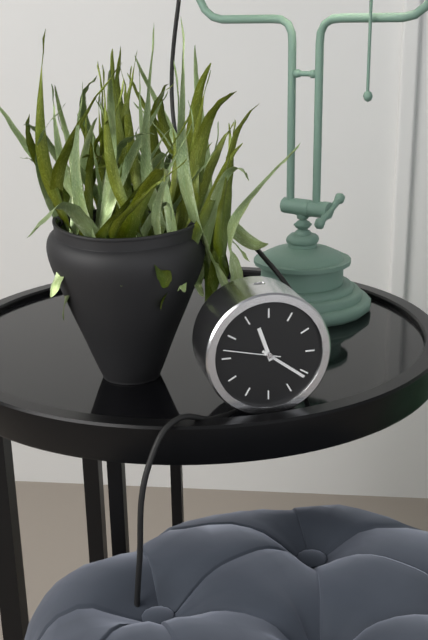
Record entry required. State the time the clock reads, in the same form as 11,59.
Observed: 11,21
